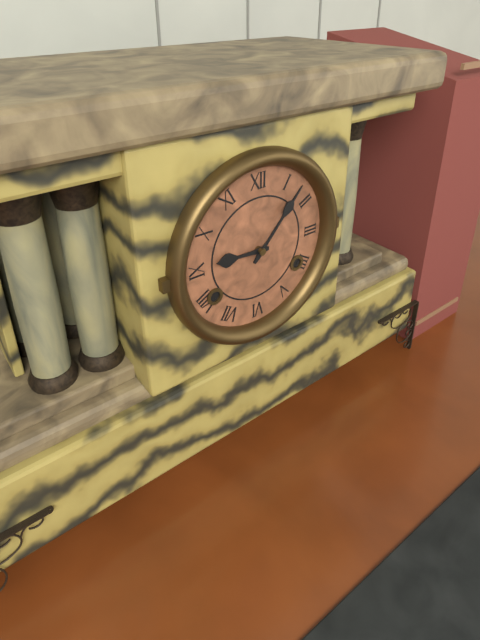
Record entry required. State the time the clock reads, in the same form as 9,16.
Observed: 9,07
